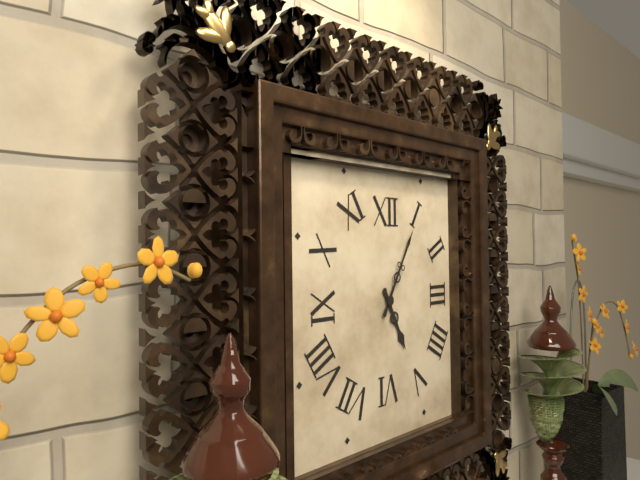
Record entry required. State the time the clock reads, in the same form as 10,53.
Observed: 5,05
